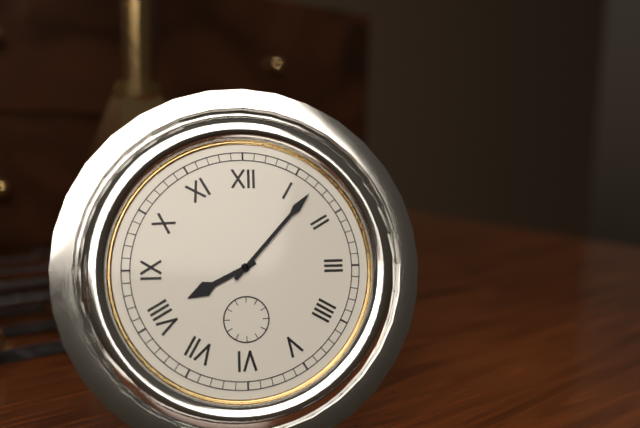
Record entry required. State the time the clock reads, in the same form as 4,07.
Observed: 8,07
